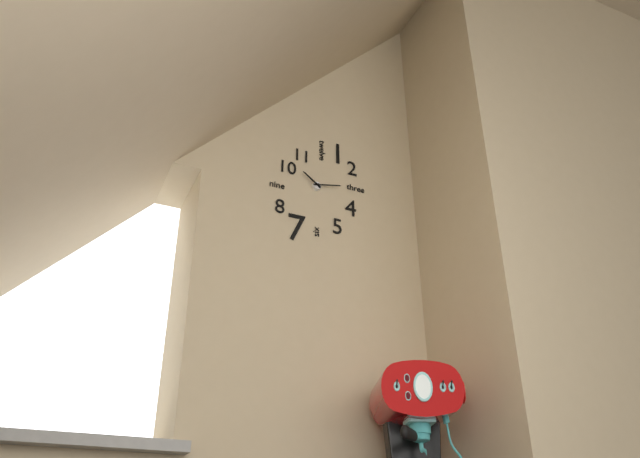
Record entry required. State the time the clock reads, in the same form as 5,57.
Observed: 10,13
